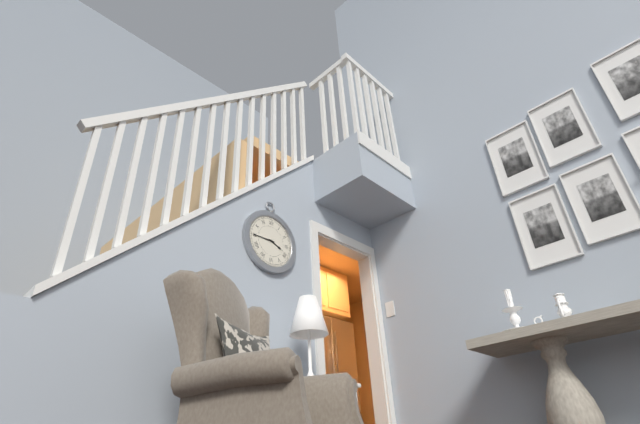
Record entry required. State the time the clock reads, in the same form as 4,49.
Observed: 3,45
